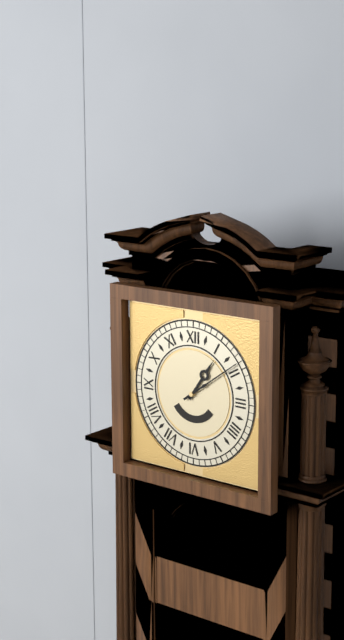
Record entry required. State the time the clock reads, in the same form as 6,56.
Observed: 1,09
